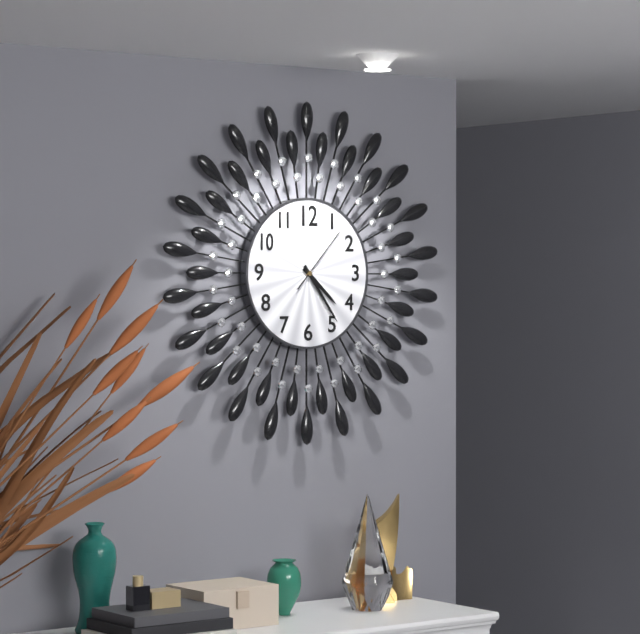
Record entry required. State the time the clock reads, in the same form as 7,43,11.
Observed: 4,24,07
